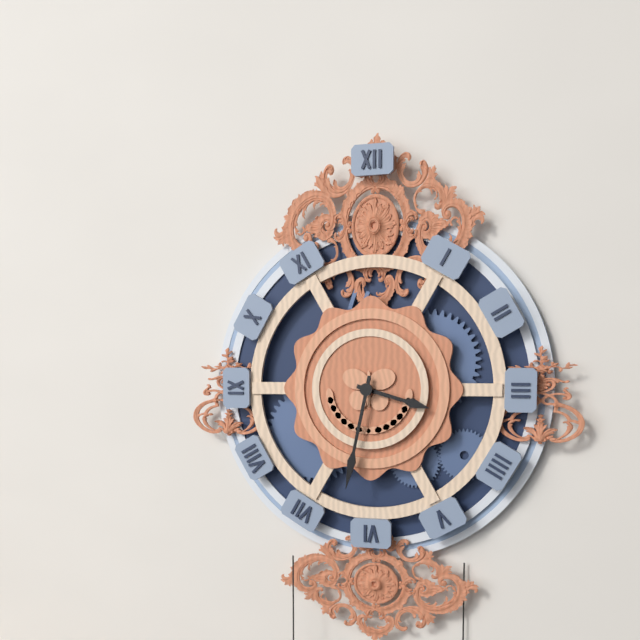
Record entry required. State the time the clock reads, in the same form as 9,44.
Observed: 3,32
